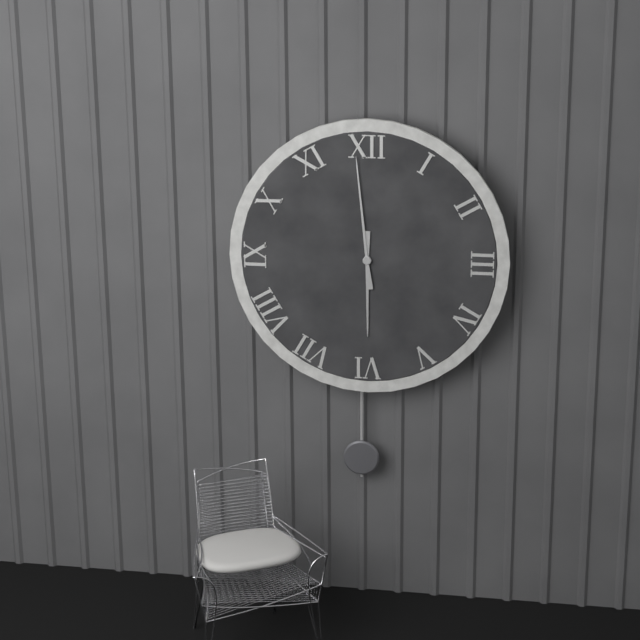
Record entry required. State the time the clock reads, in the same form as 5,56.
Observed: 5,59
